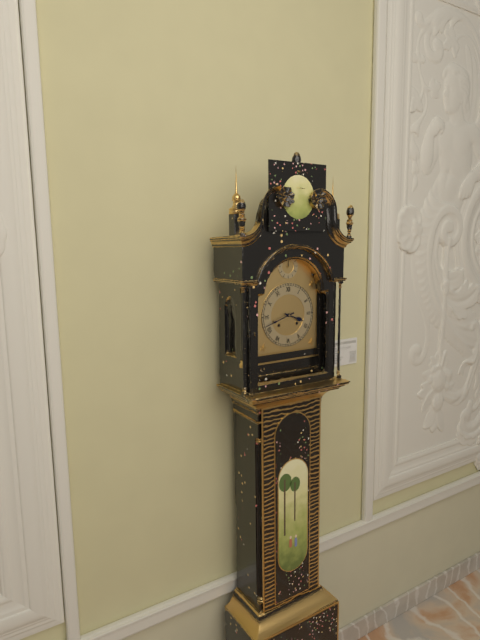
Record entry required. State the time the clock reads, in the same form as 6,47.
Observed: 3,42
